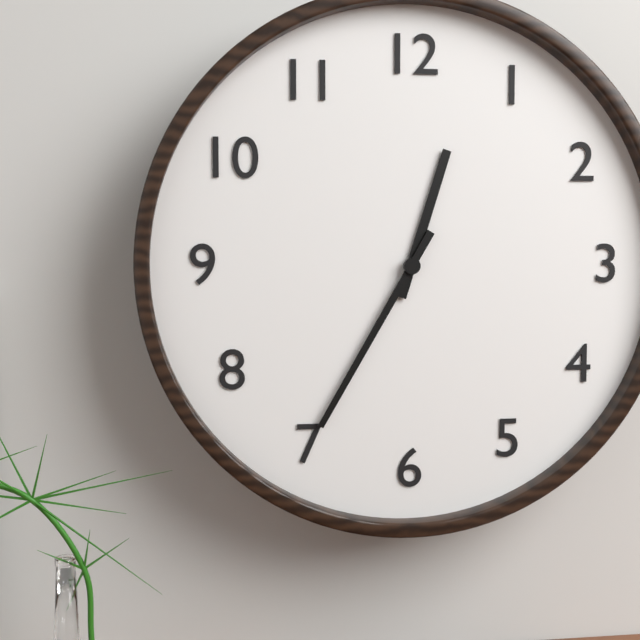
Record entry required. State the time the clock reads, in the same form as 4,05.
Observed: 12,35
